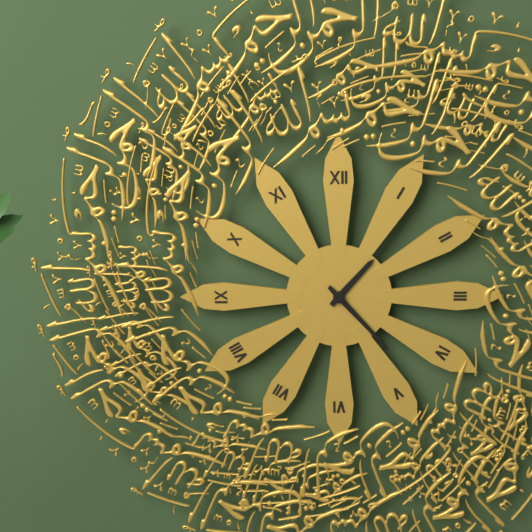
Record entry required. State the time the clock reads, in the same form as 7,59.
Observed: 1,23
